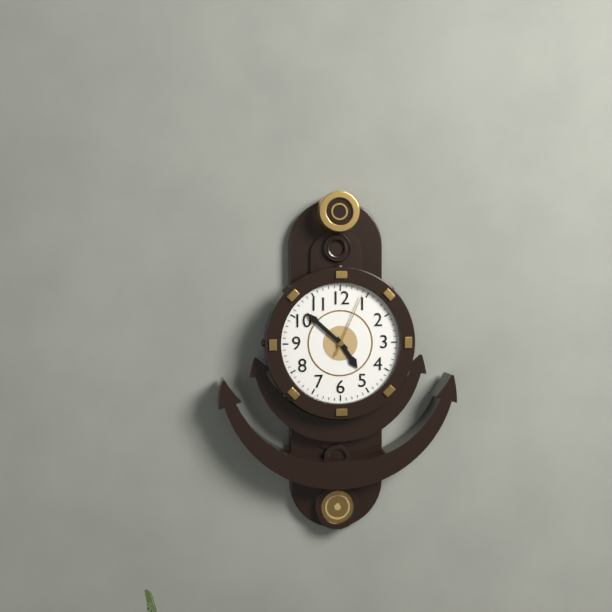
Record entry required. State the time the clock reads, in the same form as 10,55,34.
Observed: 4,52,04
